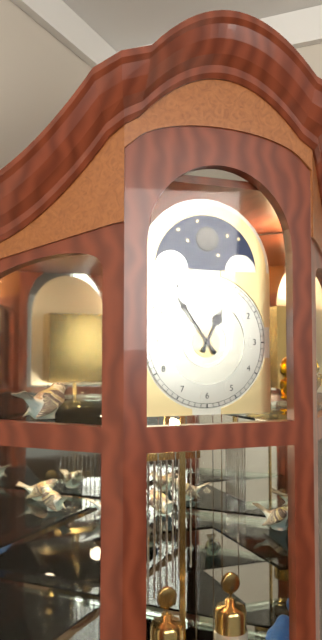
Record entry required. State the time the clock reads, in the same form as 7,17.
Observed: 12,54
